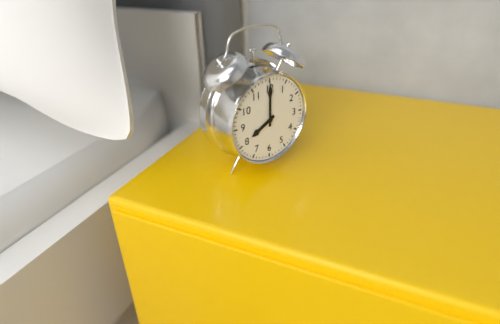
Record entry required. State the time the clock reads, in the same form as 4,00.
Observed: 8,00
